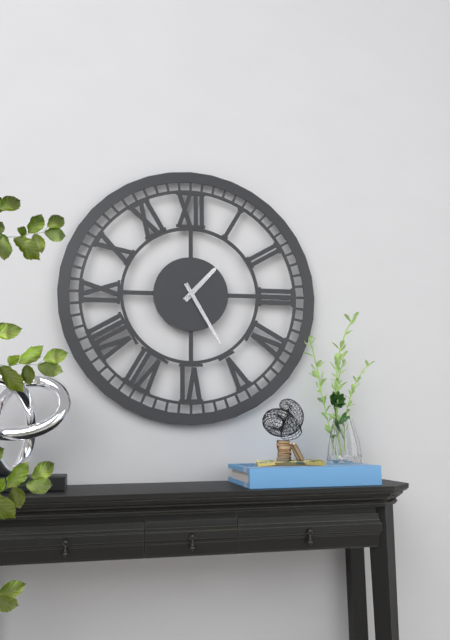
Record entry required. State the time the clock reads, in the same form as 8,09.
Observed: 1,25
